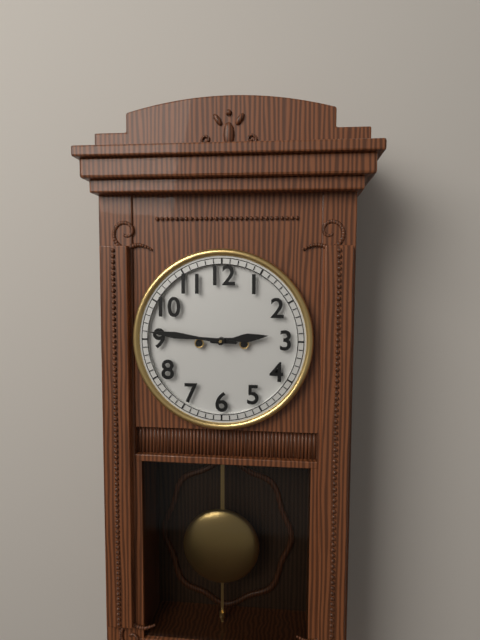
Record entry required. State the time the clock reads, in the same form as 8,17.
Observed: 2,46
